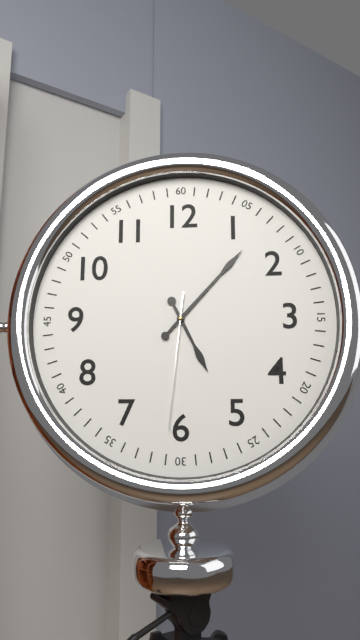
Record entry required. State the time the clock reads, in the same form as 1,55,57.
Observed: 5,07,31
